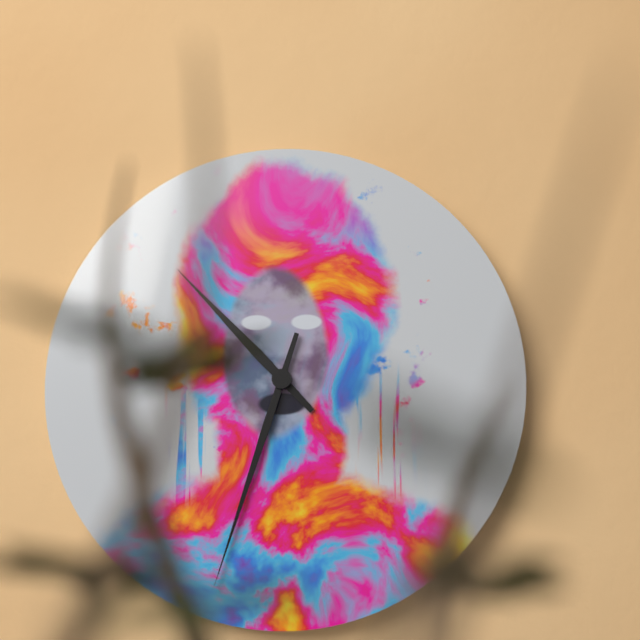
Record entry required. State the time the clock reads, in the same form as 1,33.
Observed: 10,33
